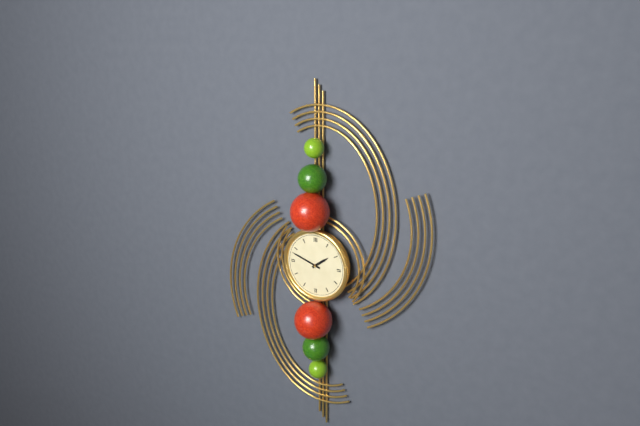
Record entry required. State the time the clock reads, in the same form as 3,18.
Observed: 1,48
